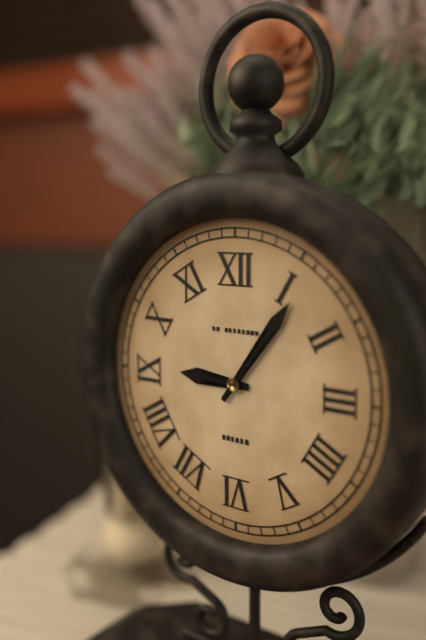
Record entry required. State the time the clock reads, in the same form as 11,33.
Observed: 9,06
